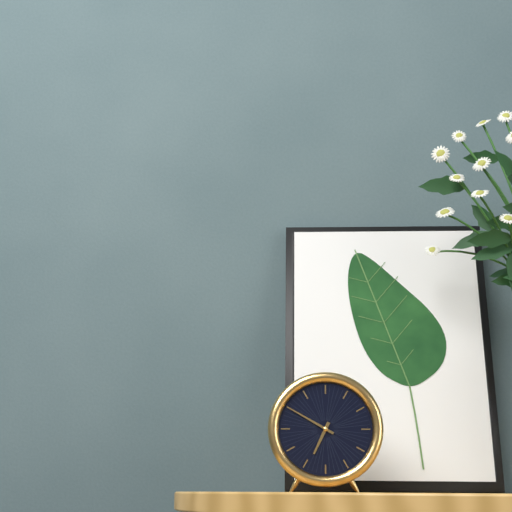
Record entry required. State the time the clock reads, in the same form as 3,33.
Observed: 6,50
